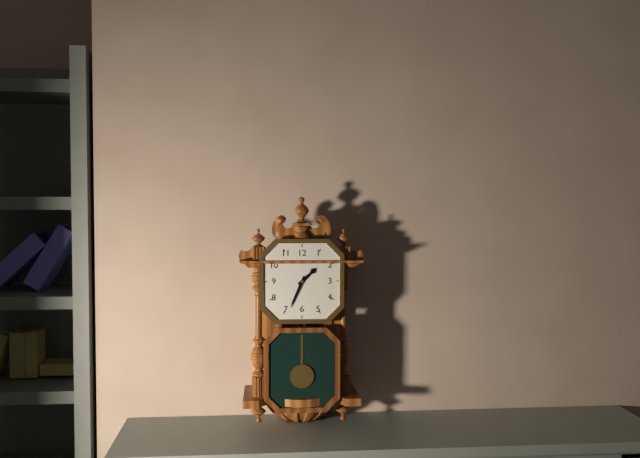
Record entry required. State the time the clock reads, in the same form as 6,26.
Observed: 1,34
